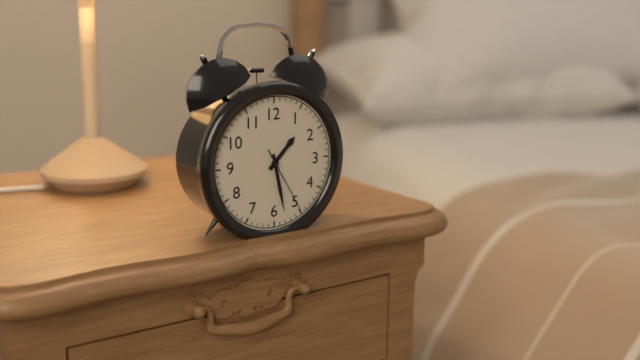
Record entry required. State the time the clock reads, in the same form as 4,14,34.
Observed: 1,28,25
